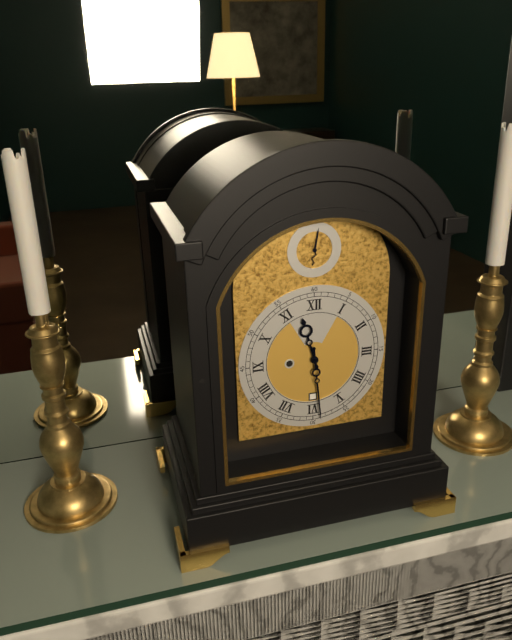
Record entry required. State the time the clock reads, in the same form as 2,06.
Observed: 11,29
